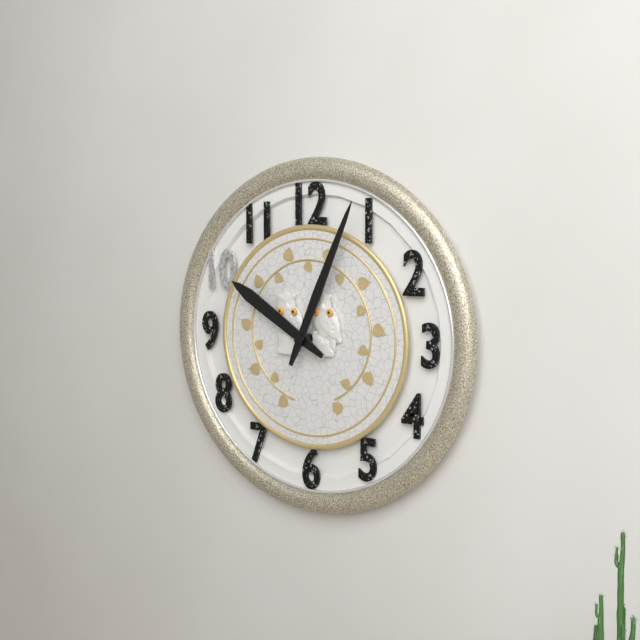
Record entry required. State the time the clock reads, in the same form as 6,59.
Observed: 10,04
